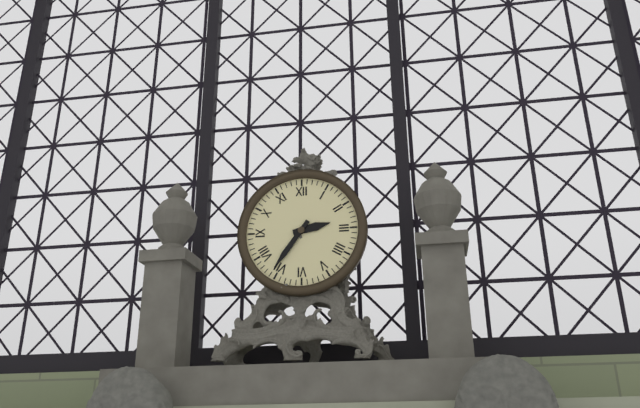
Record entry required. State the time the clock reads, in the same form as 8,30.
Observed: 2,36
